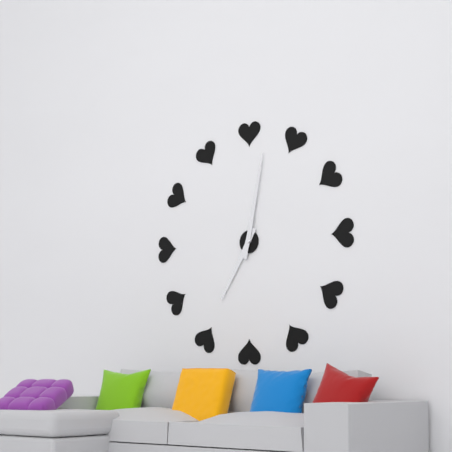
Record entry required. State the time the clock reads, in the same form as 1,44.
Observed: 7,02
